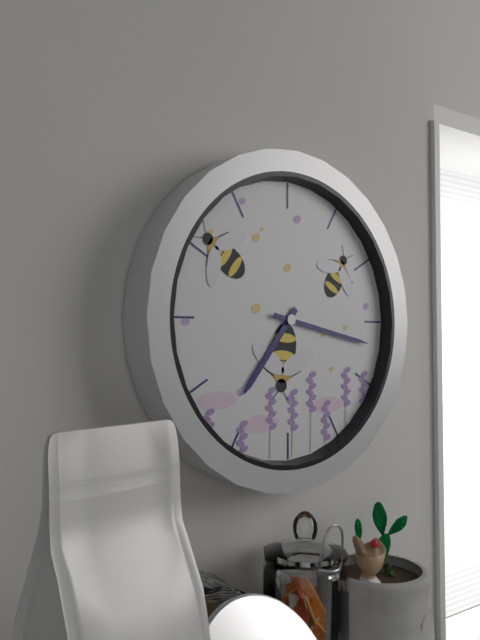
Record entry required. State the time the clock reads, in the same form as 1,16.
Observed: 7,17
